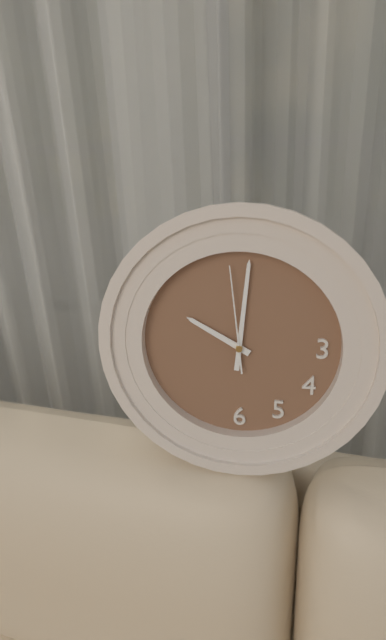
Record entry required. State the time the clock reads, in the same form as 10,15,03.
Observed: 10,01,59
